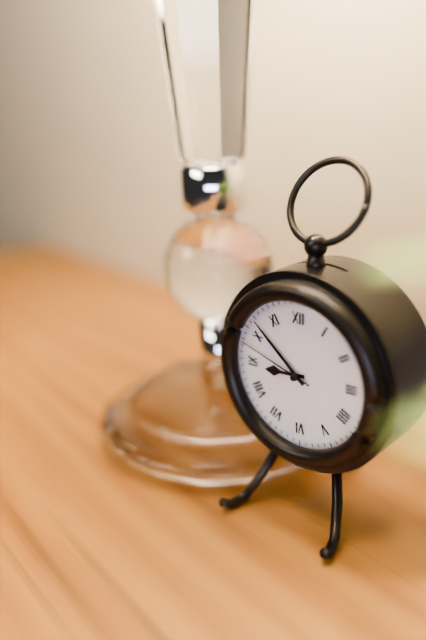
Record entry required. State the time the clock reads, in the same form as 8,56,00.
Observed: 8,52,48
